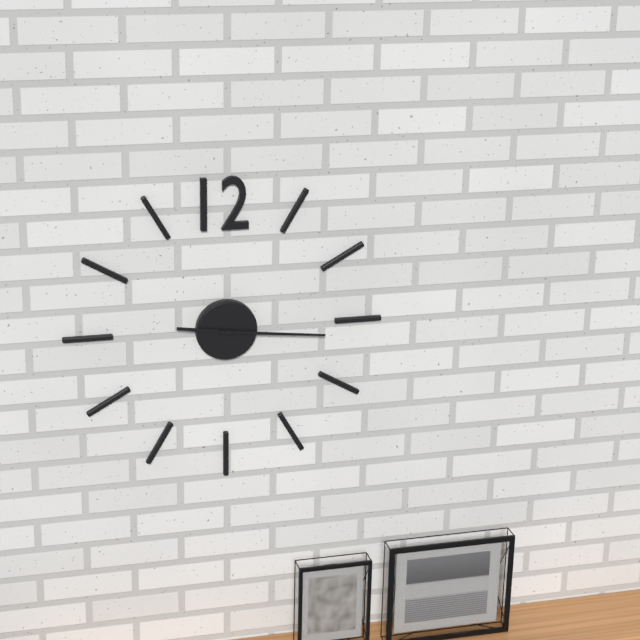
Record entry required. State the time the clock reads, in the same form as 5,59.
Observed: 9,16
